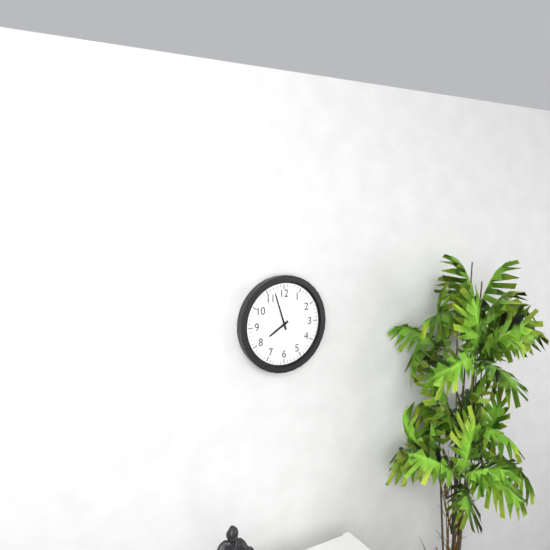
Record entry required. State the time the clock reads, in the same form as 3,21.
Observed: 7,57
